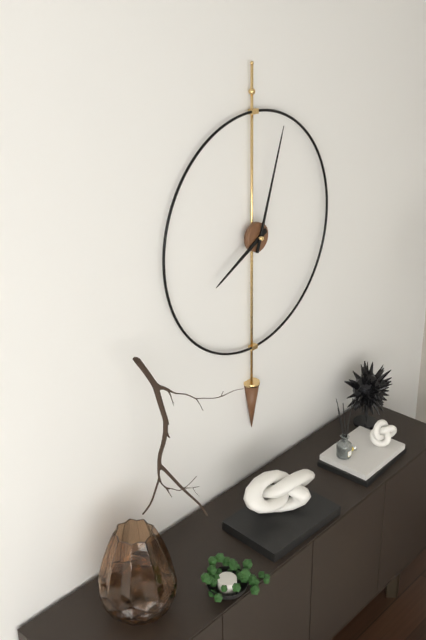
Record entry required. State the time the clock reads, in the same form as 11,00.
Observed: 8,03
